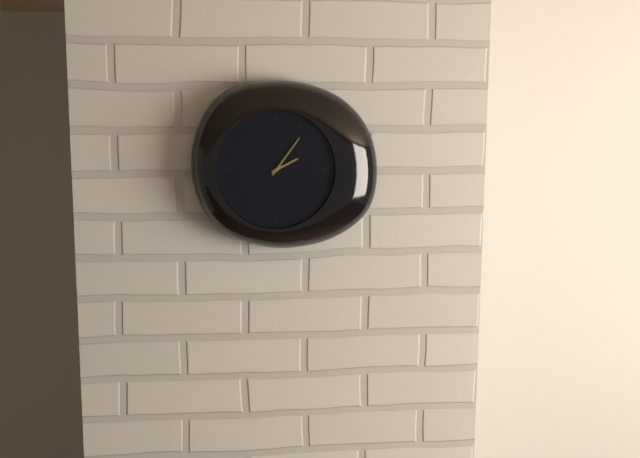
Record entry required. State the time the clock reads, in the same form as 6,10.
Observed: 2,06
